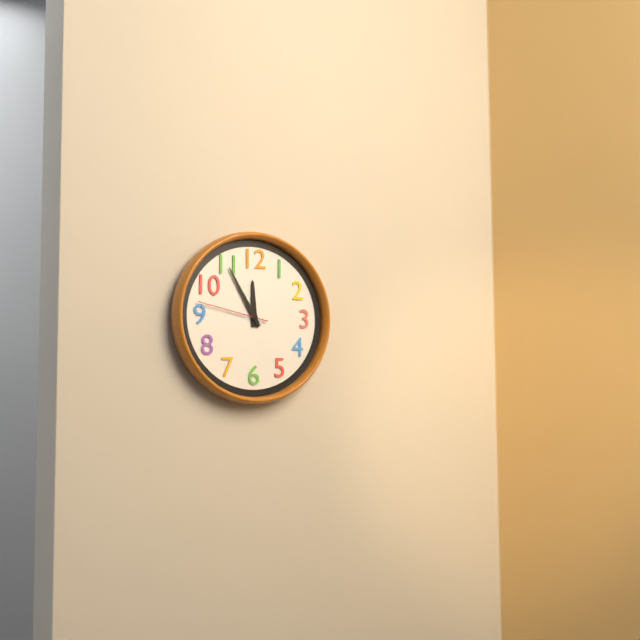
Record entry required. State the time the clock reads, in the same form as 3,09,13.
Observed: 11,55,47
